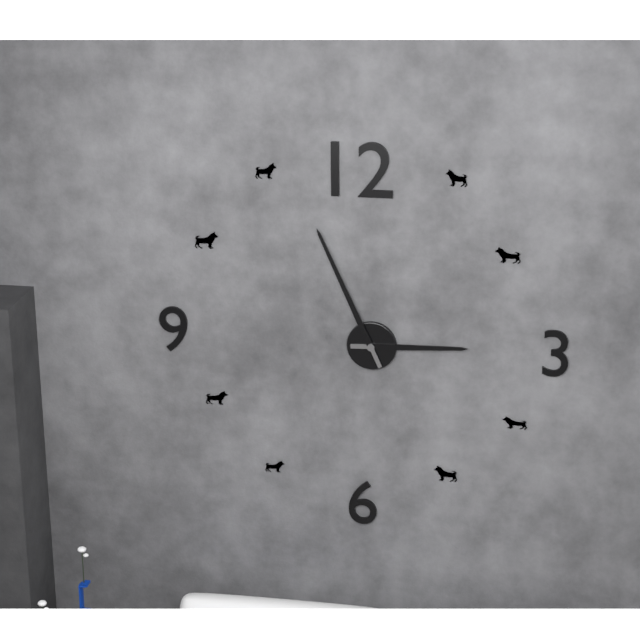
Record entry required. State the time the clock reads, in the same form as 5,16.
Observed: 2,56
